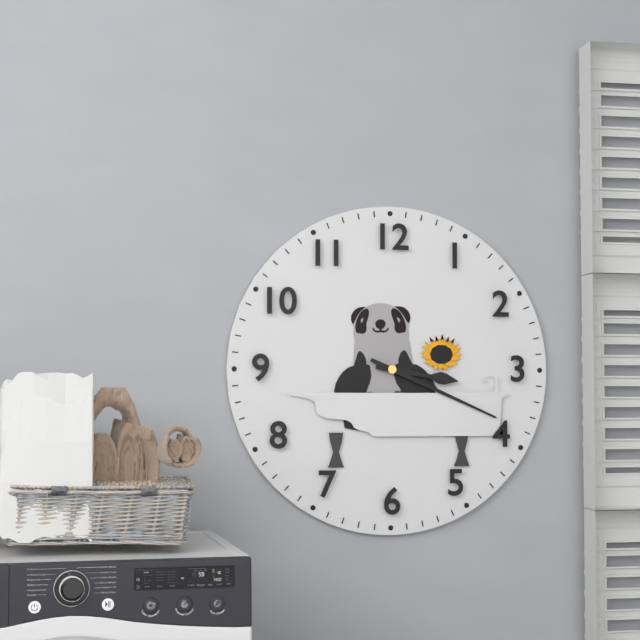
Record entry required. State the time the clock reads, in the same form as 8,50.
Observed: 3,19
